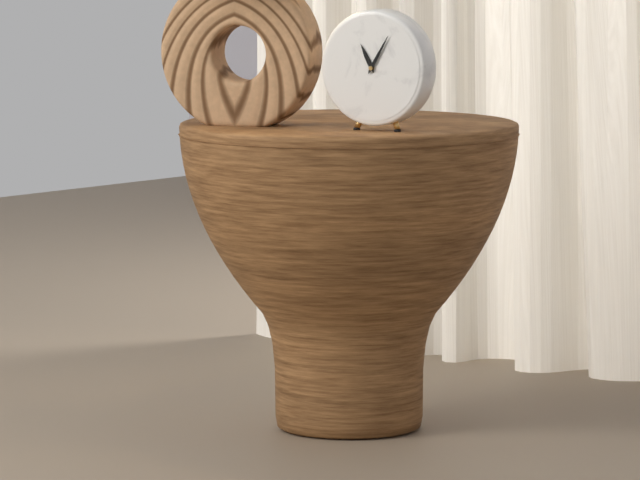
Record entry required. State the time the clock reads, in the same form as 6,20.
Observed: 11,05
